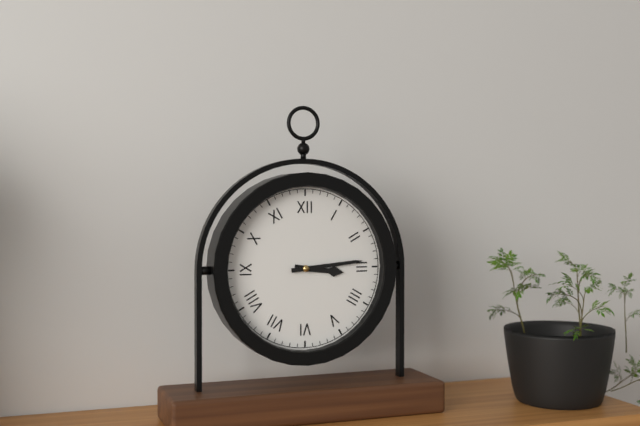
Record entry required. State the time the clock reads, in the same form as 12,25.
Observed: 3,14
